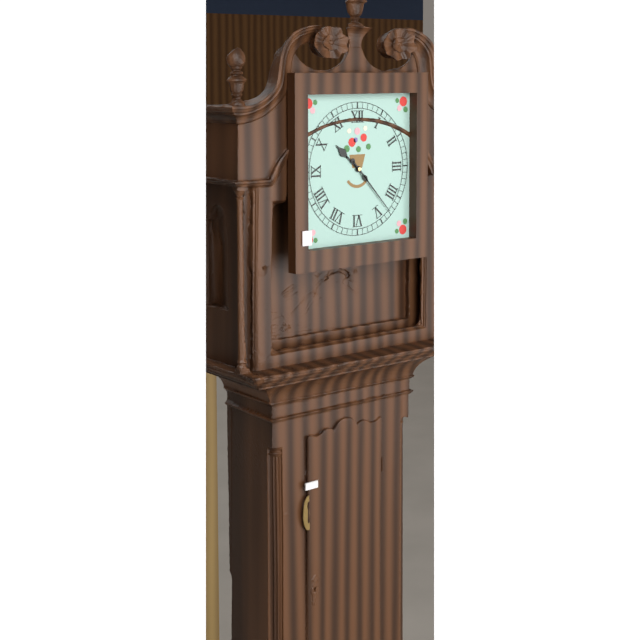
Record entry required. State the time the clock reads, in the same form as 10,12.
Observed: 10,23
